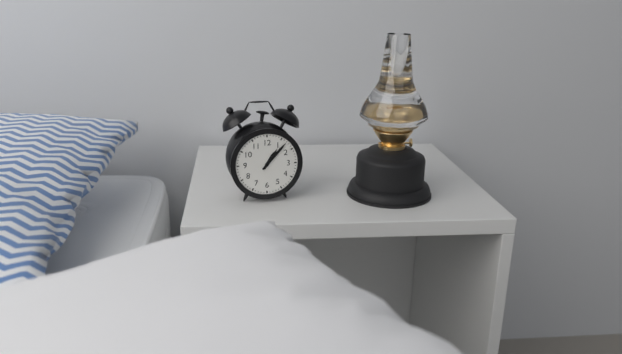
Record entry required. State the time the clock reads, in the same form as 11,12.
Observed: 1,07
